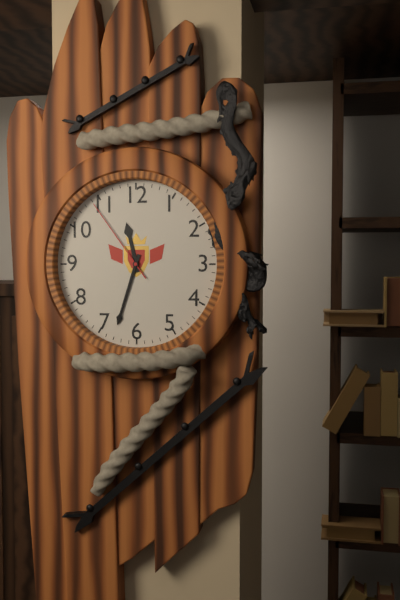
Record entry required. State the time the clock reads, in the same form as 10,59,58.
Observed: 11,33,54
